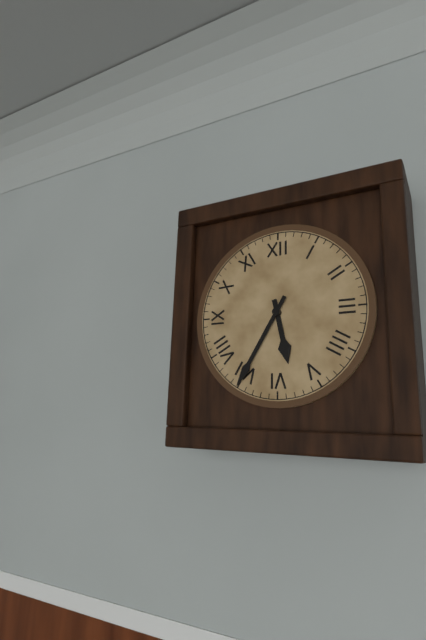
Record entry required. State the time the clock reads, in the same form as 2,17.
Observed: 5,35
